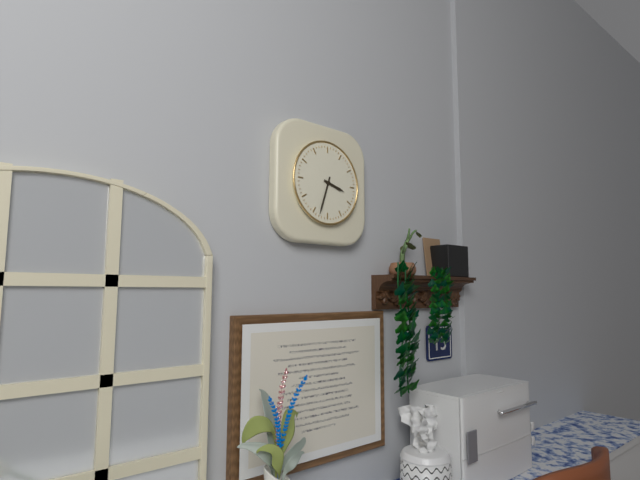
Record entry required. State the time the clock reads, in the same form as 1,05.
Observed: 3,33
